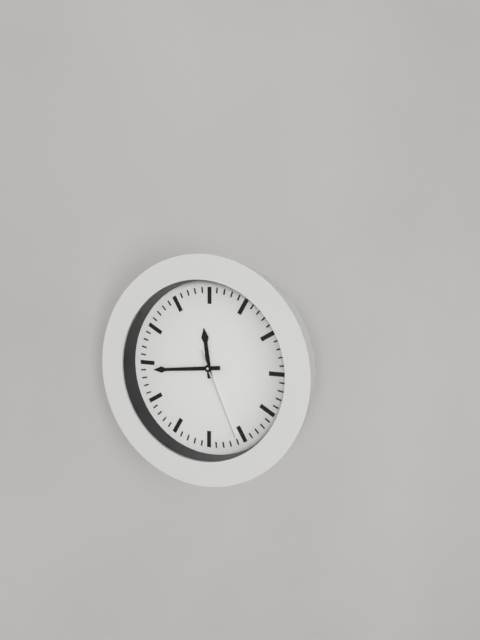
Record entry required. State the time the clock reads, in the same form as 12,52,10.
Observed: 11,44,26
